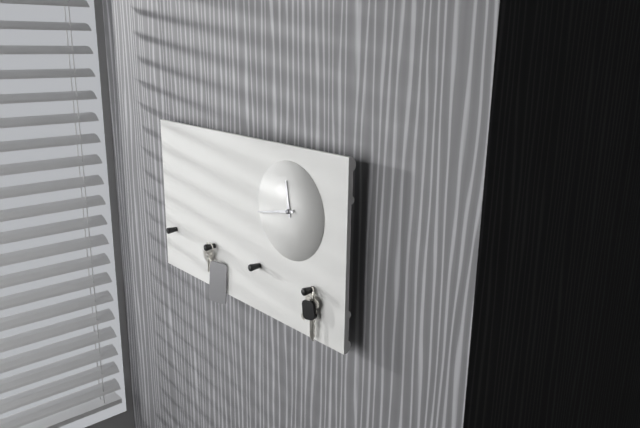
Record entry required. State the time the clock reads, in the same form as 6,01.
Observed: 11,43
